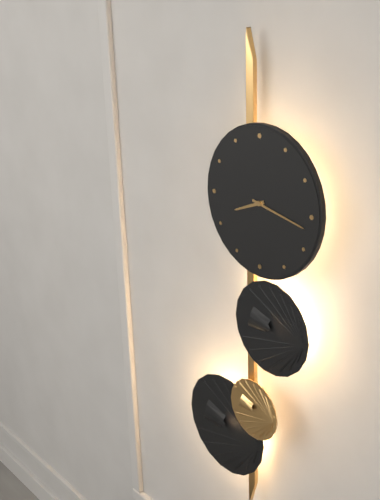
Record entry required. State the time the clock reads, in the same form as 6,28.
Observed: 8,17
